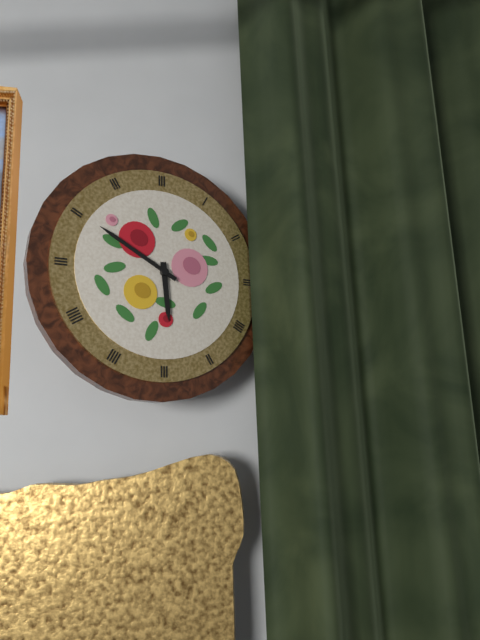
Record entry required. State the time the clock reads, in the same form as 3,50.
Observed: 5,50
